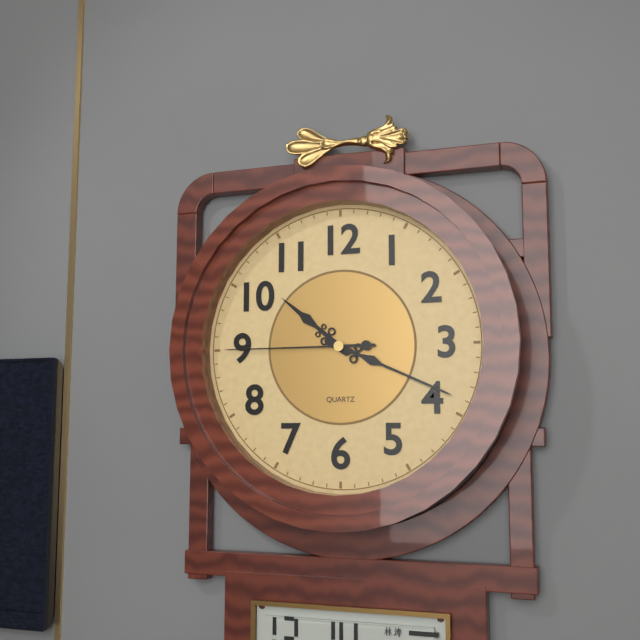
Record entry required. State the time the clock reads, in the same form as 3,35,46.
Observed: 10,19,45
